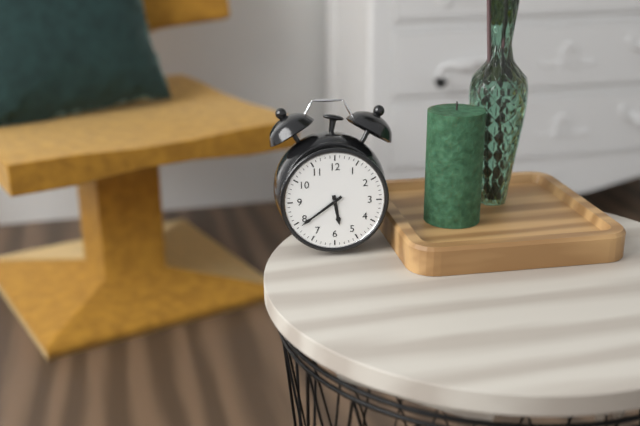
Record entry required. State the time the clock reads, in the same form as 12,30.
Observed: 5,39
